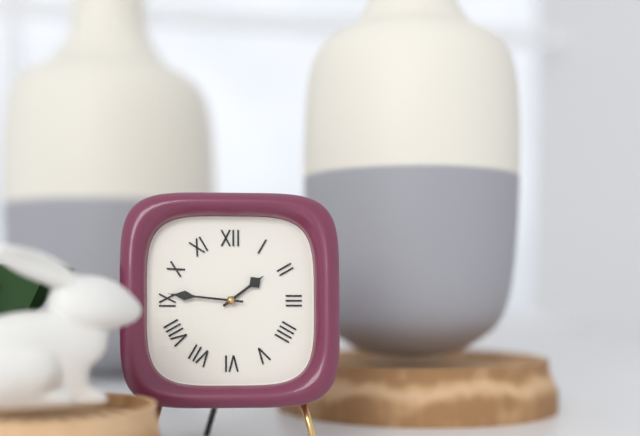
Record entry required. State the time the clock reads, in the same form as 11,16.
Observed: 1,46
